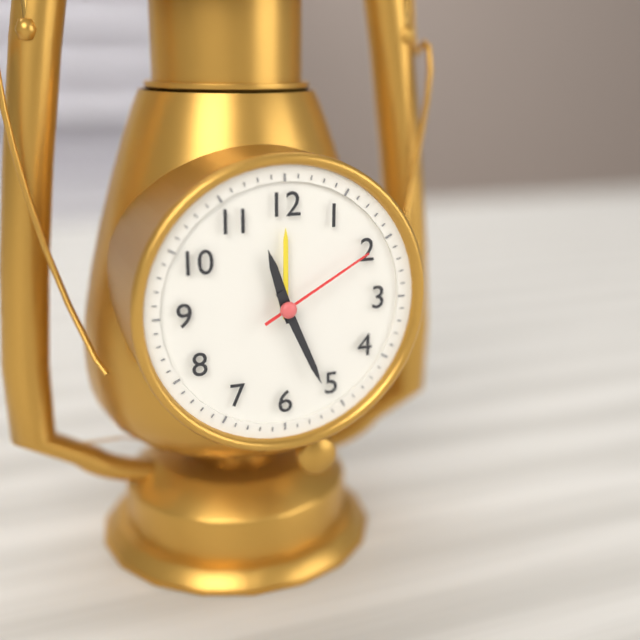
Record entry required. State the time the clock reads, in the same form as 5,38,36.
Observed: 11,26,10
